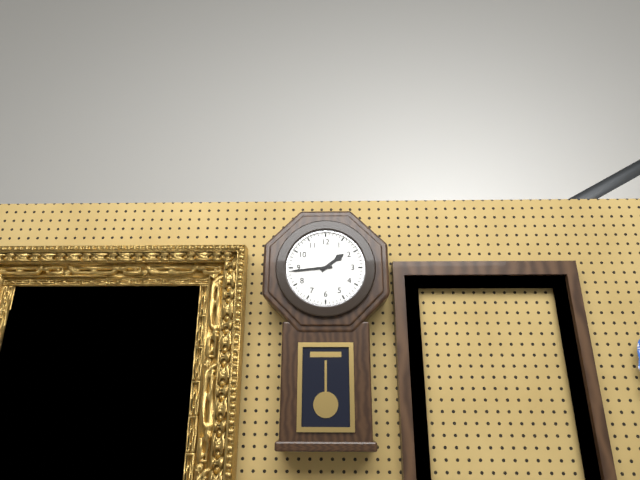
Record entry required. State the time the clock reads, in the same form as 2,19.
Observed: 1,44
